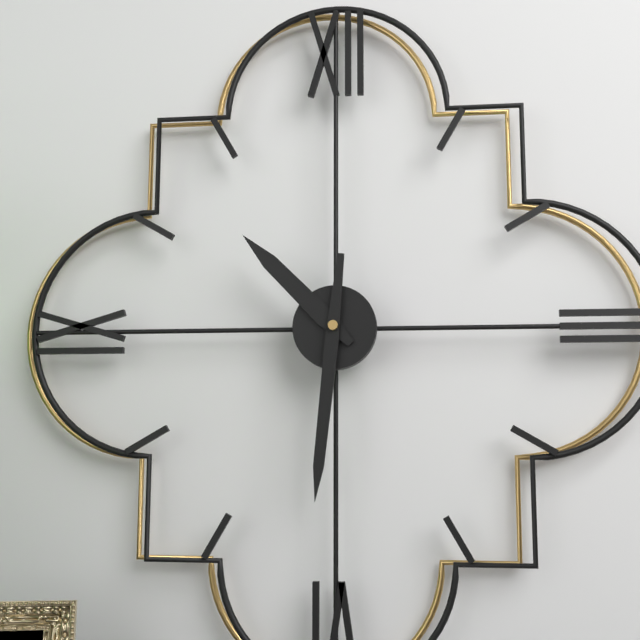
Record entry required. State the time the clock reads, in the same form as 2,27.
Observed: 10,31
